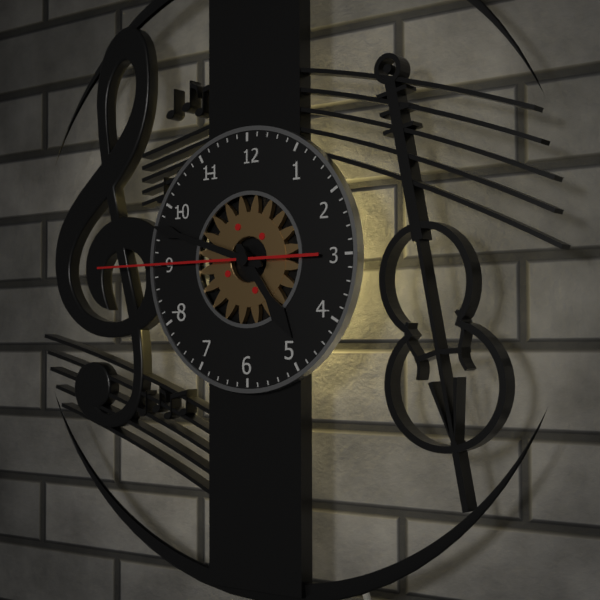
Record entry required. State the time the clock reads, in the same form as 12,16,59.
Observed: 4,48,45
